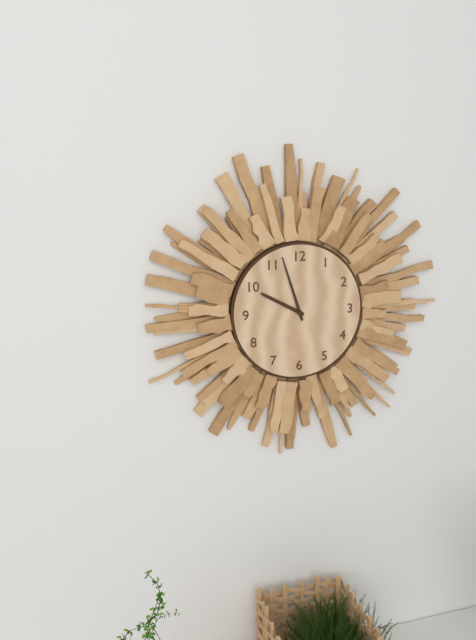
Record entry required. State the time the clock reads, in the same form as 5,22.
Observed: 9,57
